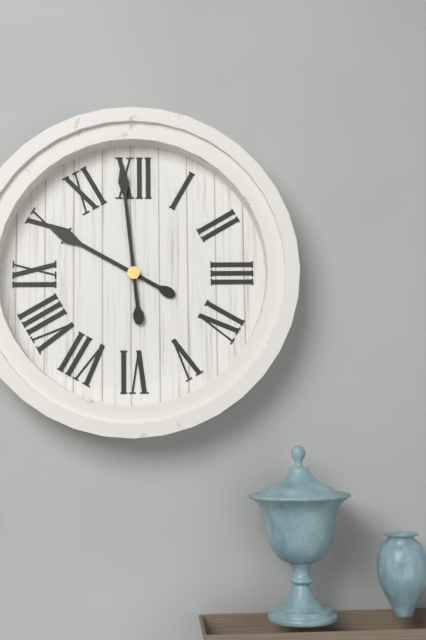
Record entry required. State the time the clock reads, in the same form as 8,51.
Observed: 9,59
